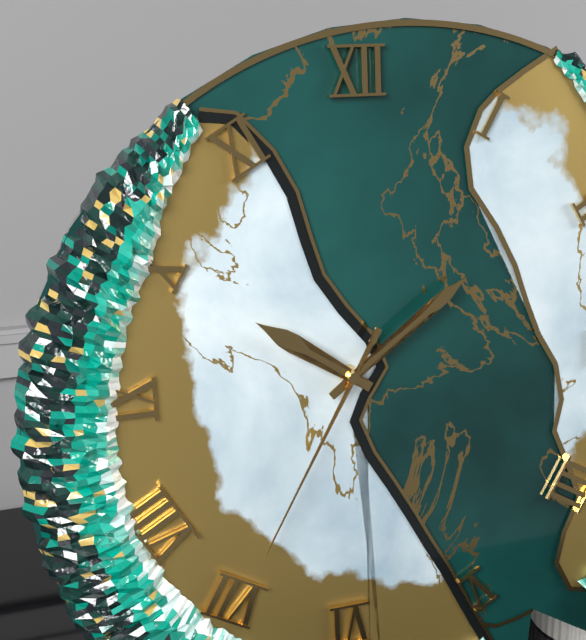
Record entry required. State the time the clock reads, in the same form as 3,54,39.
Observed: 10,09,35
